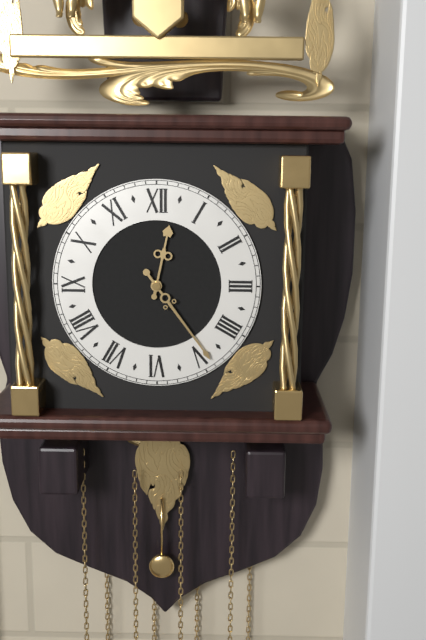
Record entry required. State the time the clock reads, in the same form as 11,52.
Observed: 12,24
